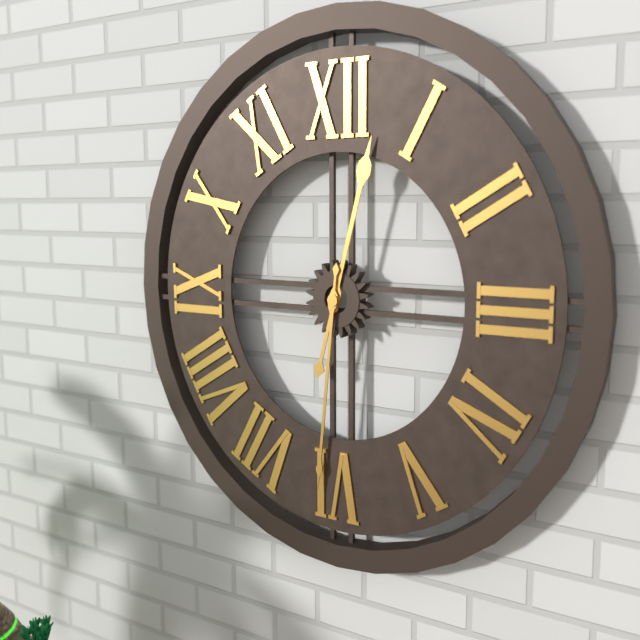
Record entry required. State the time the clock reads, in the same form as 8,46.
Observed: 12,31
